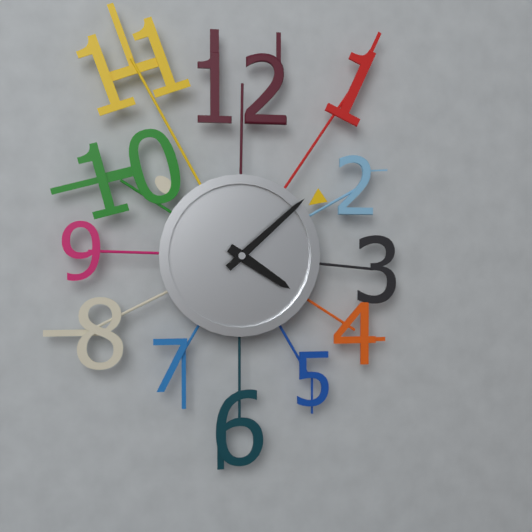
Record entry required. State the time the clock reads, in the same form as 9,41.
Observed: 4,08
